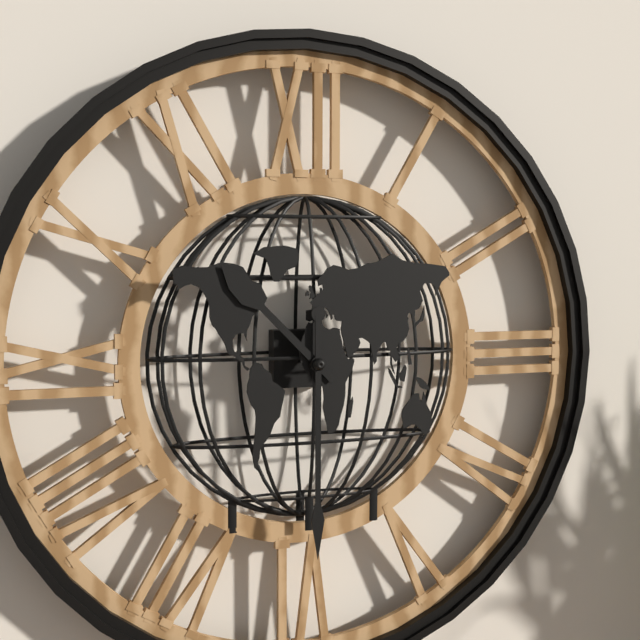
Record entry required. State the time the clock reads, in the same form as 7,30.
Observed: 10,30
